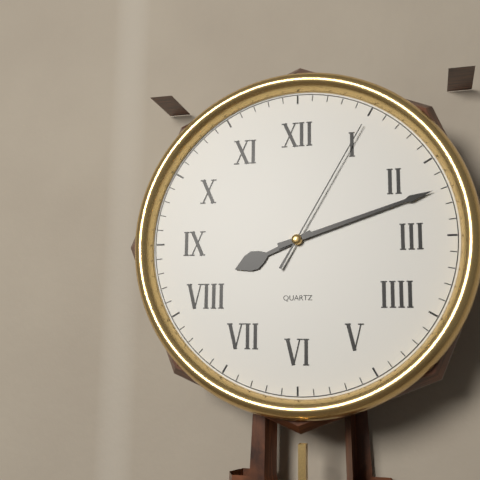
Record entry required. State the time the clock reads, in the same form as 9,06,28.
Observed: 8,12,05
